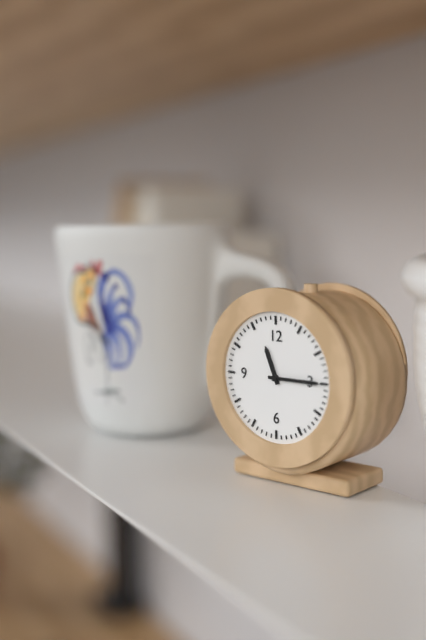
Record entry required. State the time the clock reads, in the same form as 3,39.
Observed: 11,15
